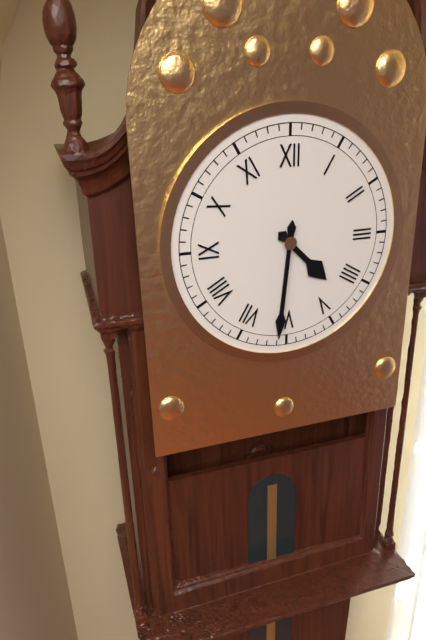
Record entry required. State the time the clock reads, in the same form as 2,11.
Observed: 4,31
